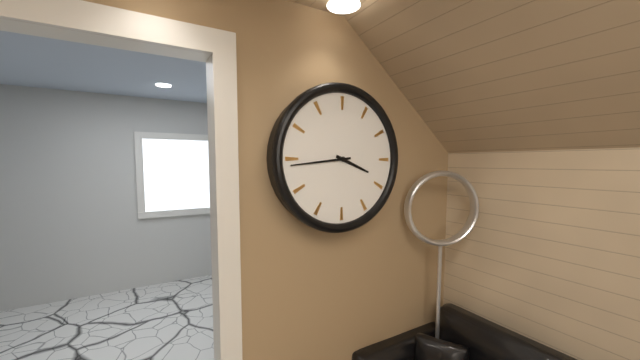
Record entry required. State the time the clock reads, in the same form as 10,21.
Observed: 3,44
